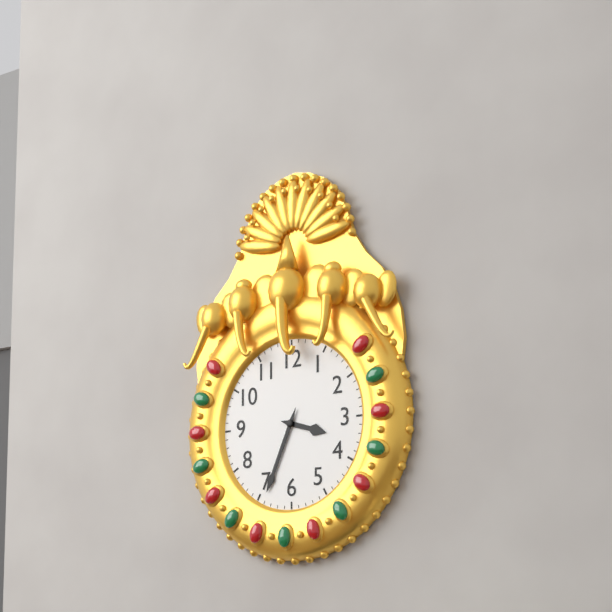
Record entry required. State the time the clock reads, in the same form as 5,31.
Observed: 3,34
